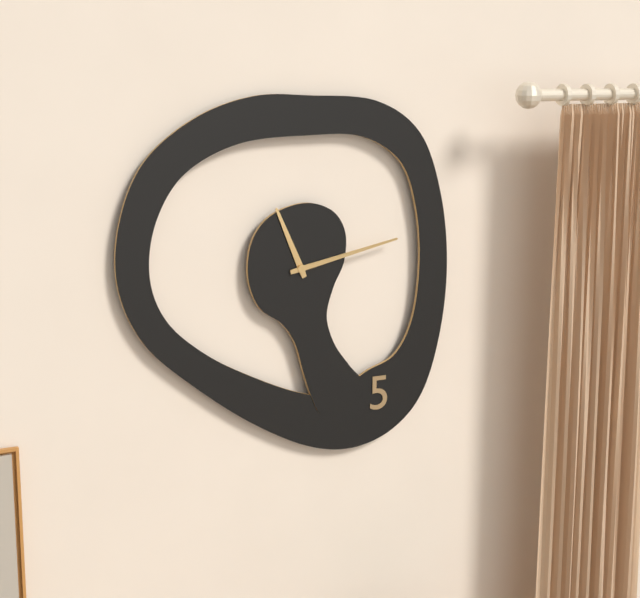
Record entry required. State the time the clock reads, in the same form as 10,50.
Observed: 11,13
